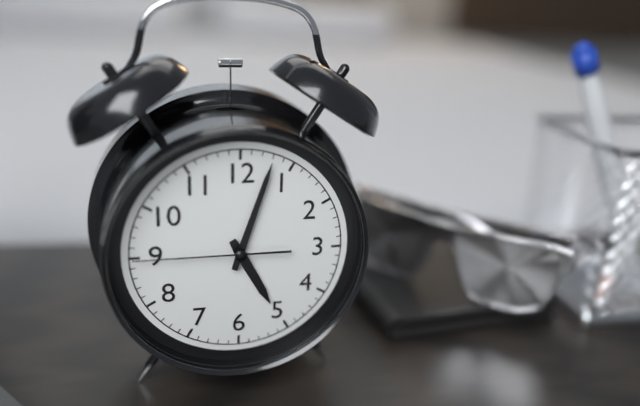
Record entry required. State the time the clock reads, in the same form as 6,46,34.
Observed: 5,03,45
